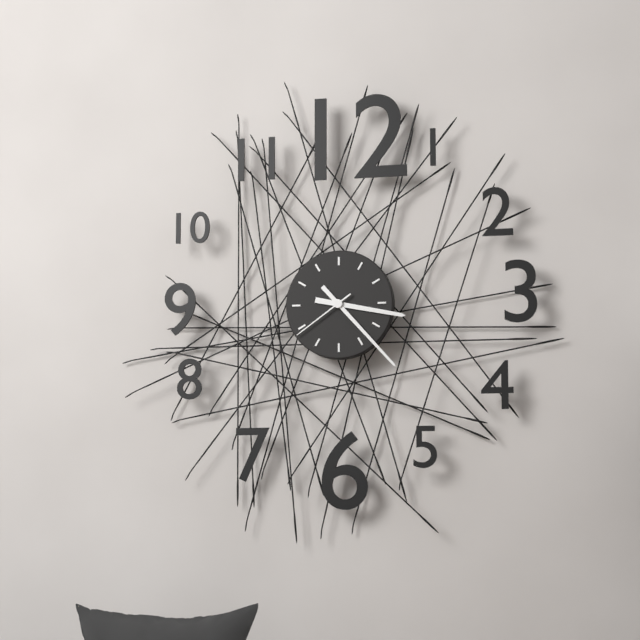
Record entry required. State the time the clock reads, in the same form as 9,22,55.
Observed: 3,23,39
